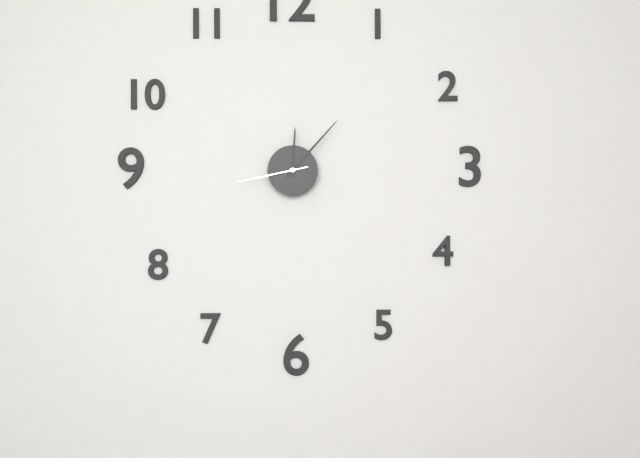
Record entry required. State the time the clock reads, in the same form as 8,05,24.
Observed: 12,07,43
